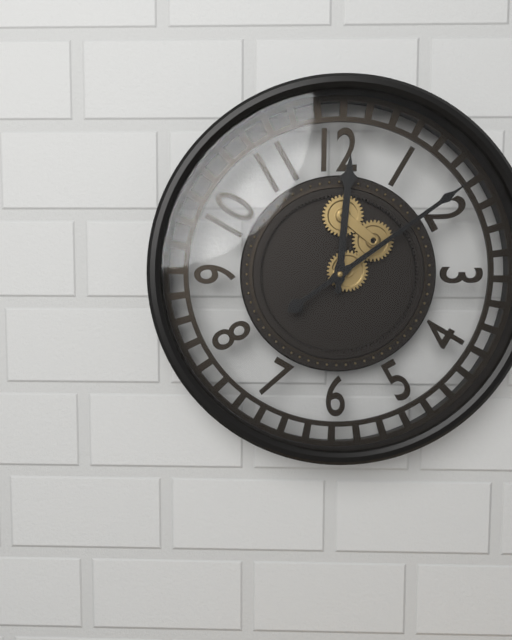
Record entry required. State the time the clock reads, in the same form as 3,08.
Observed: 12,09
